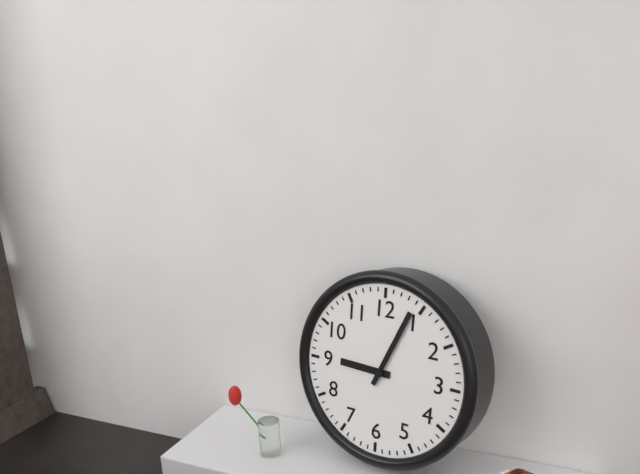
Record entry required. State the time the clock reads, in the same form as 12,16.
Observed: 9,04
